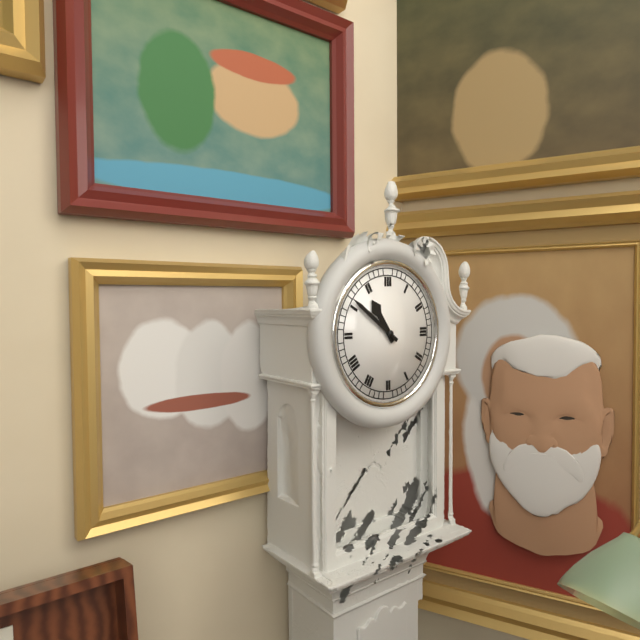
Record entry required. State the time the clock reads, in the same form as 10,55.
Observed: 10,51
